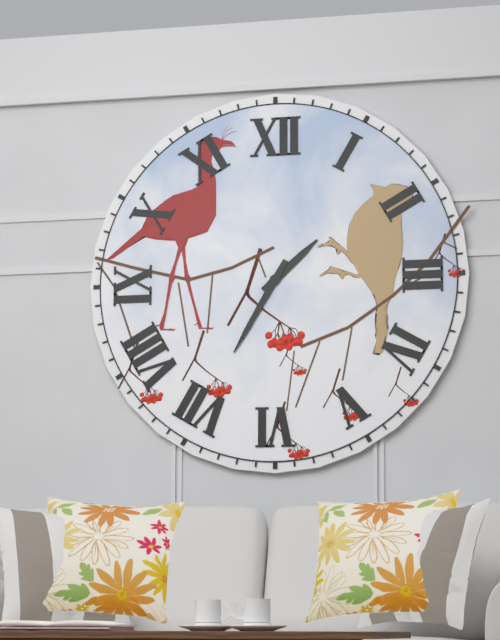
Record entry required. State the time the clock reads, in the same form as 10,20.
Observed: 1,35
